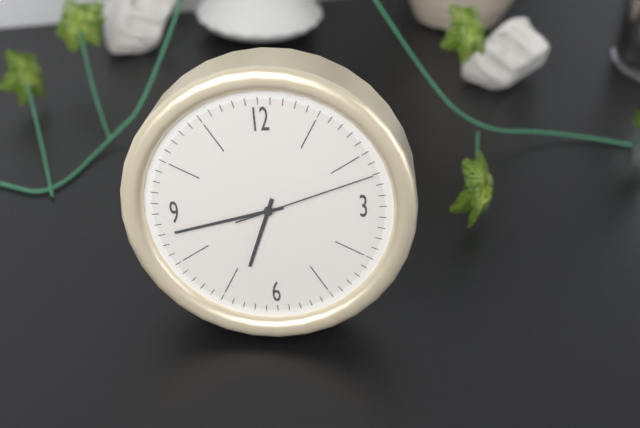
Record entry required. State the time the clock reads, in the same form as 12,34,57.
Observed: 6,43,12
